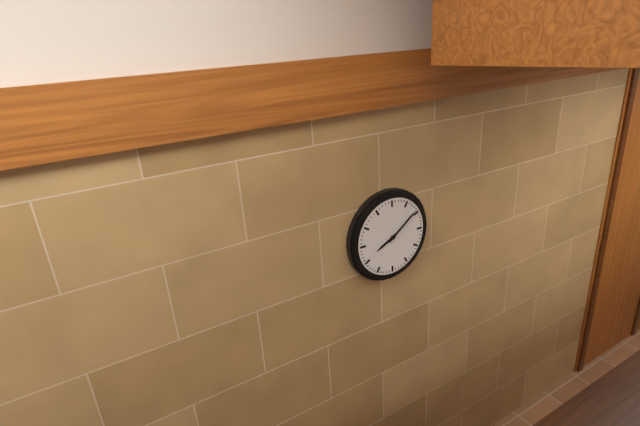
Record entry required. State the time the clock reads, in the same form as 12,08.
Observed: 8,09
